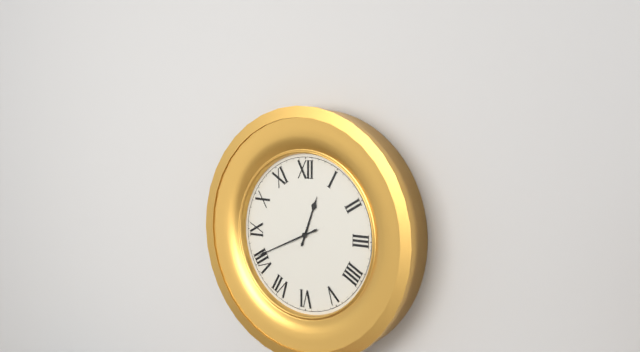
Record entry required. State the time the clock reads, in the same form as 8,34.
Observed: 12,41
